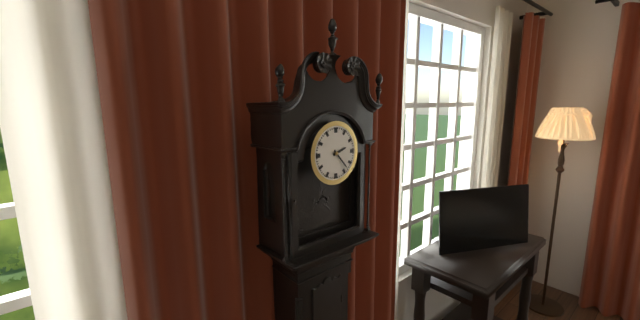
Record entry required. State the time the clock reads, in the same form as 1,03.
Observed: 2,23
